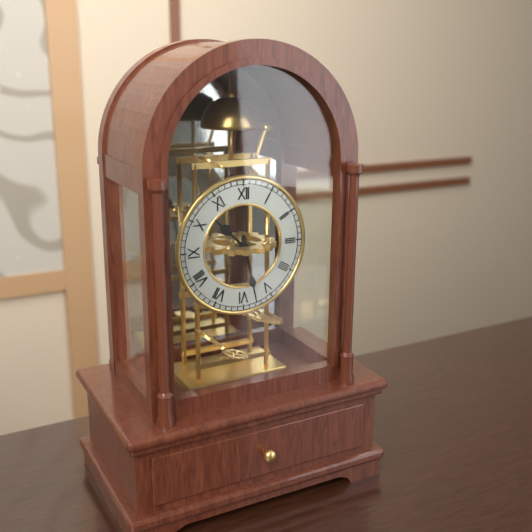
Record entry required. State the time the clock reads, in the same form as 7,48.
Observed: 10,28
